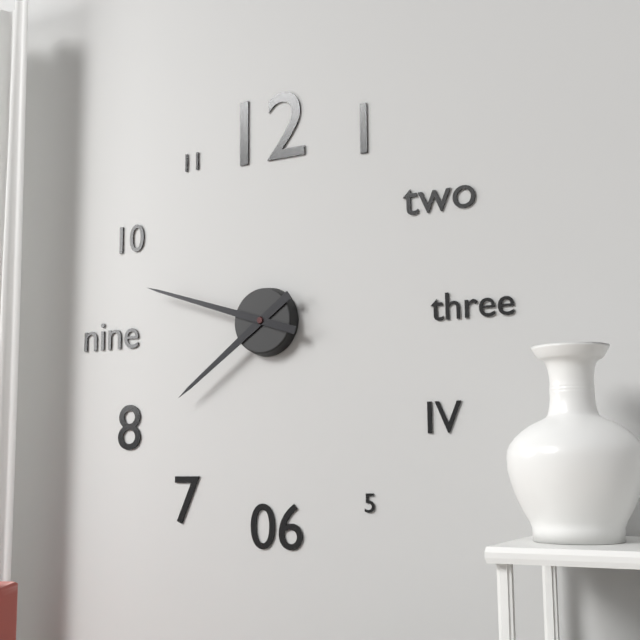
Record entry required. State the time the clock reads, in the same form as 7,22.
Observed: 7,48
